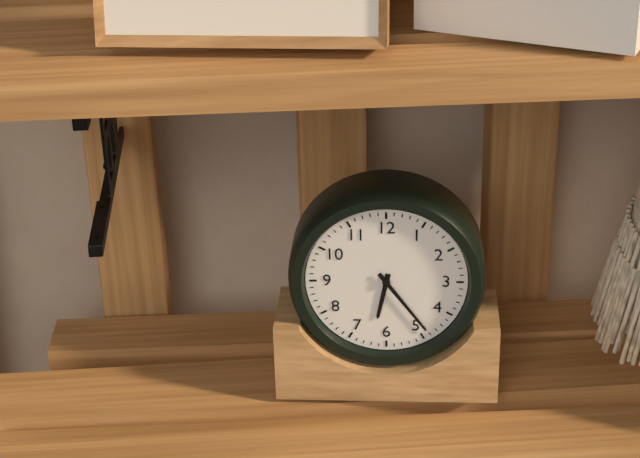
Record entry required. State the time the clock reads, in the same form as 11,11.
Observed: 6,24
